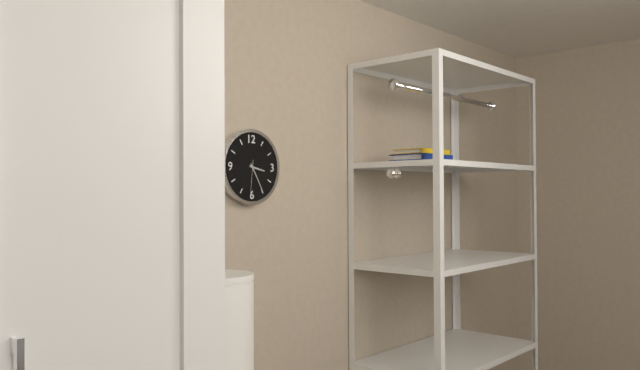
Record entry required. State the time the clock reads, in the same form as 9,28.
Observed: 3,25
